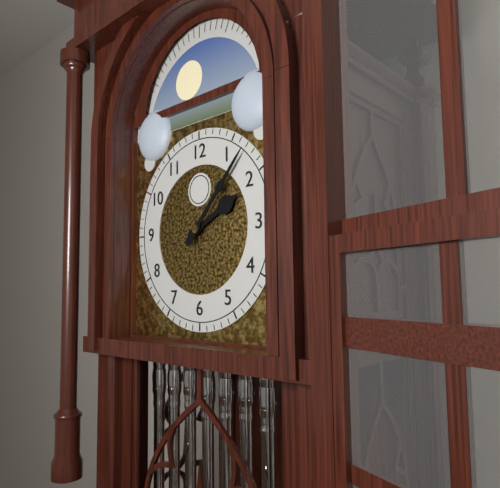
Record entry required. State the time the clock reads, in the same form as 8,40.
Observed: 2,07
